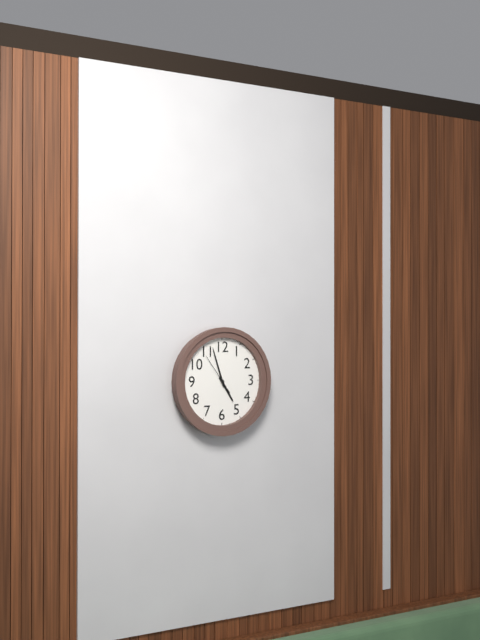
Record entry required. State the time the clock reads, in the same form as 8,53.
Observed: 4,57
